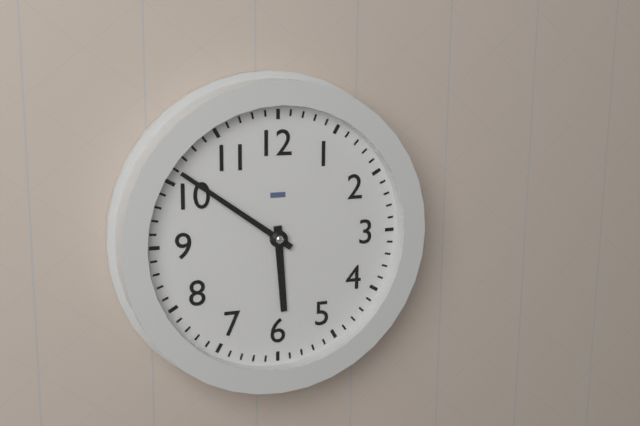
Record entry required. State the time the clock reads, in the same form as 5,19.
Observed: 5,51
